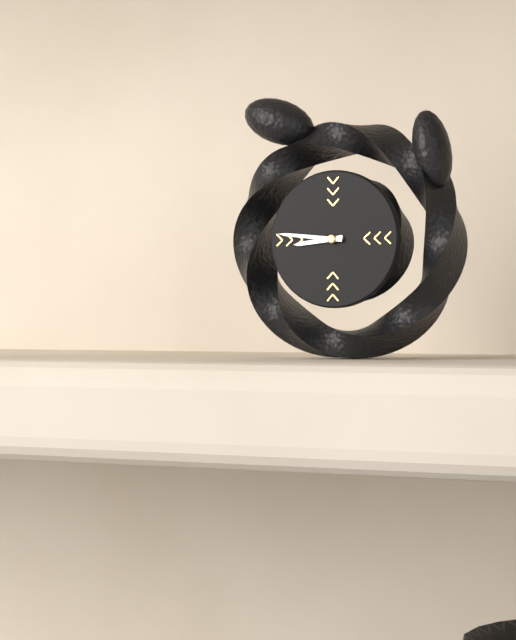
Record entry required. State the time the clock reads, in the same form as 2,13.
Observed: 8,46
